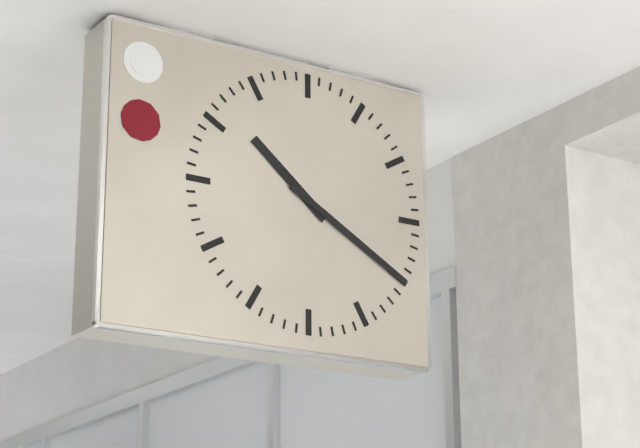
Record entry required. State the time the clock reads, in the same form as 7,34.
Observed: 10,20
